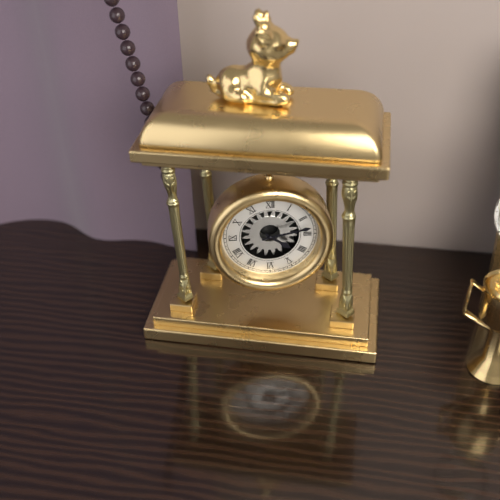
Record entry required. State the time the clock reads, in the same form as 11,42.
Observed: 4,13
